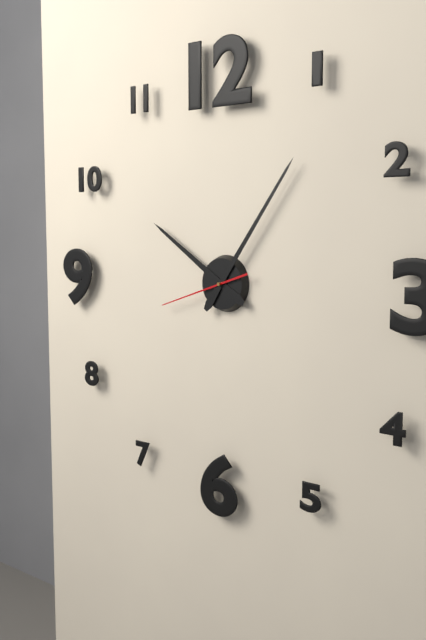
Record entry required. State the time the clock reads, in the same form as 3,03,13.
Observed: 10,06,42
